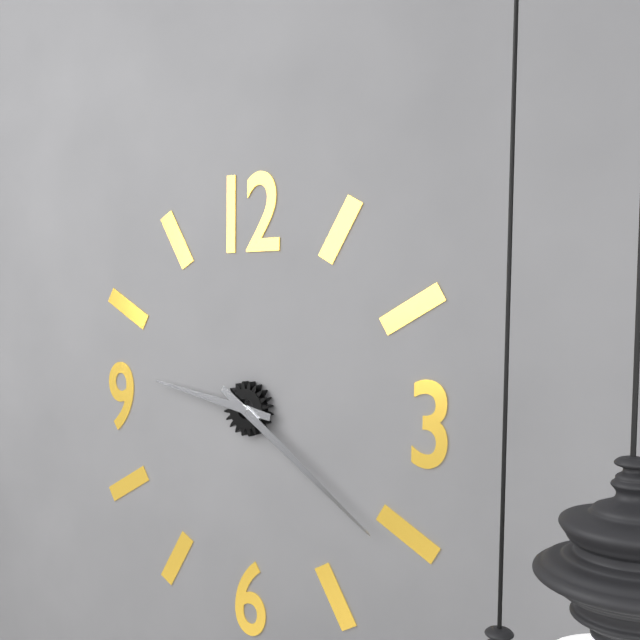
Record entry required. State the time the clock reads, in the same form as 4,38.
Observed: 9,21
